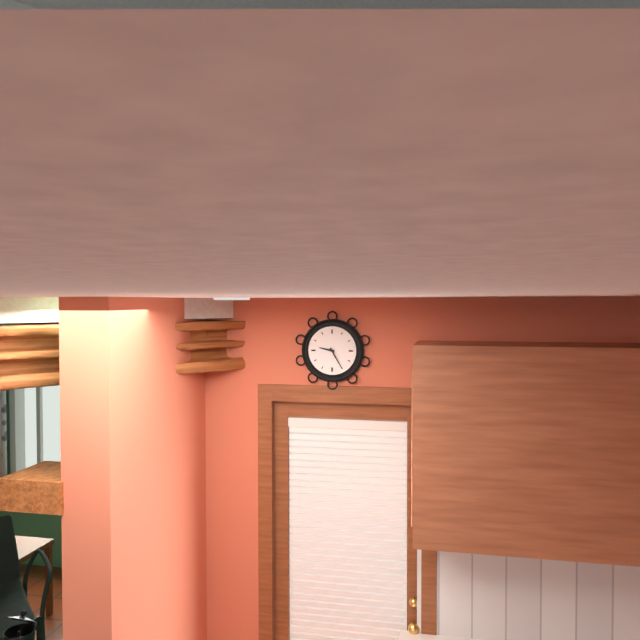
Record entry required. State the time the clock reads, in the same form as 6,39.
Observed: 9,25
